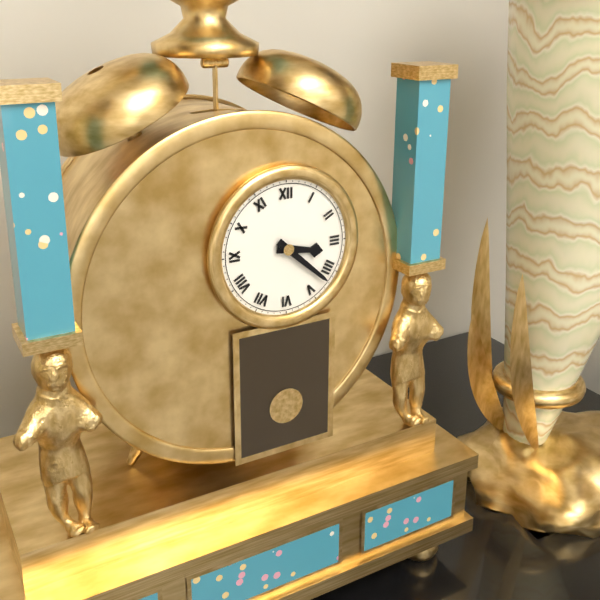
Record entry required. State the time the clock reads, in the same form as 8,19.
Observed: 3,22
